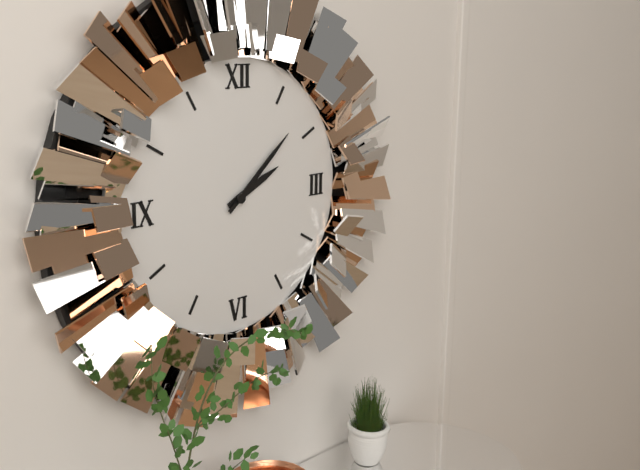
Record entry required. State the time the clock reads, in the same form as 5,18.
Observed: 2,08
